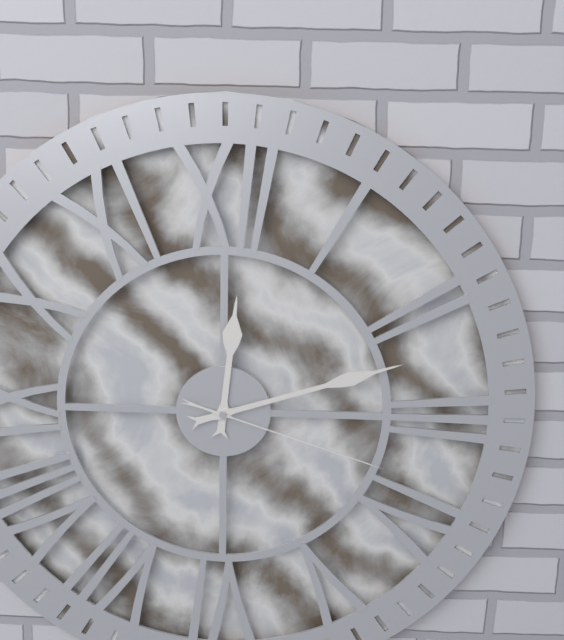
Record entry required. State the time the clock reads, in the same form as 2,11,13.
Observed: 12,12,18
